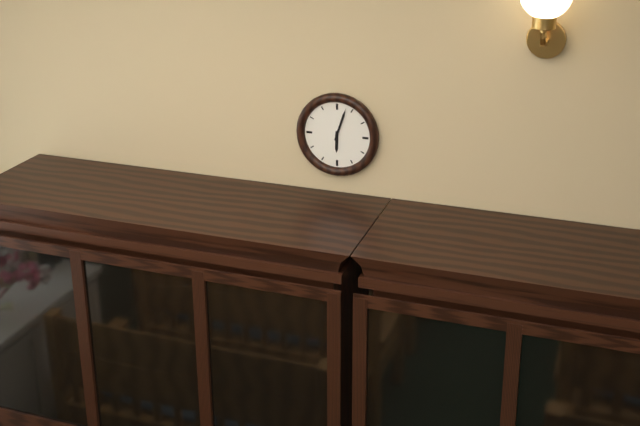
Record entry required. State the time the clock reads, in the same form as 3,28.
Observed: 6,03
